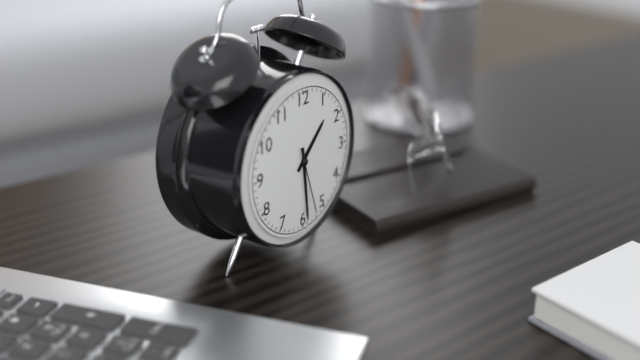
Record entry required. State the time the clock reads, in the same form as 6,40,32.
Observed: 1,29,27
